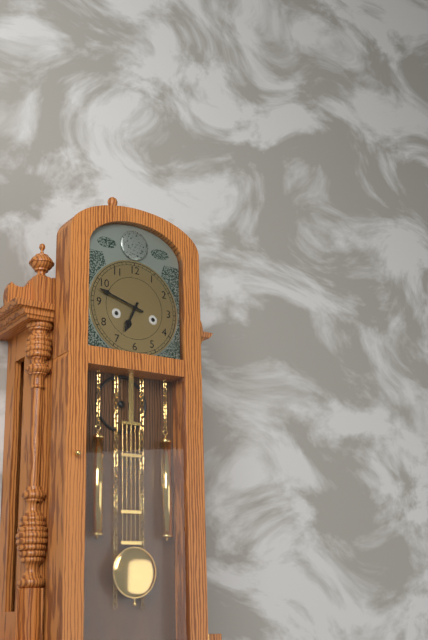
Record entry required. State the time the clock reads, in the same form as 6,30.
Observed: 6,48
